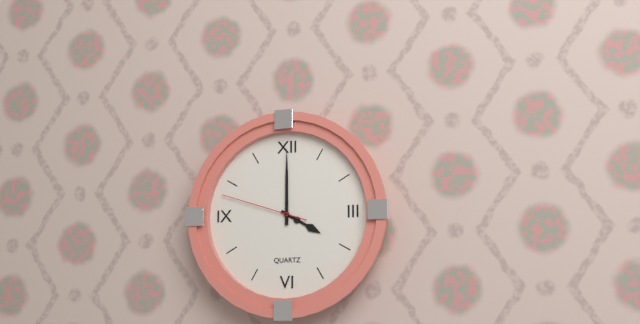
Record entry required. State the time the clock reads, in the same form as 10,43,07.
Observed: 4,00,48
